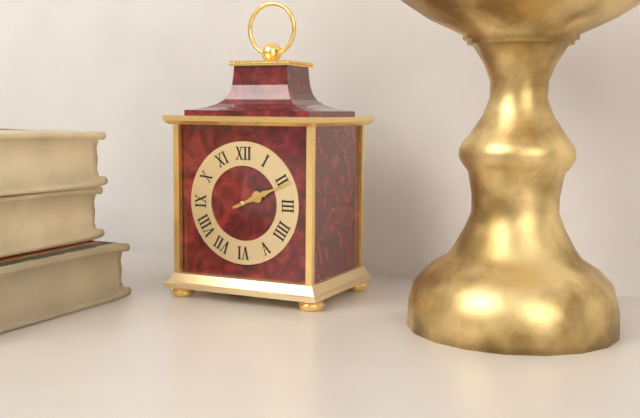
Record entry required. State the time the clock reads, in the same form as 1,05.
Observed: 2,11
